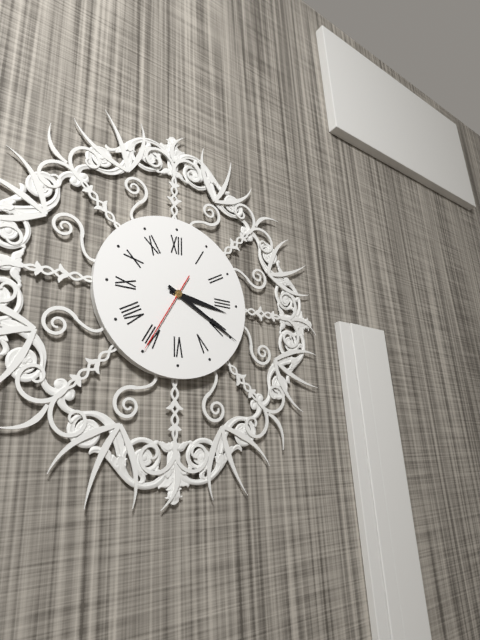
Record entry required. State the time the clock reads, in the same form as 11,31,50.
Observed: 3,20,35
